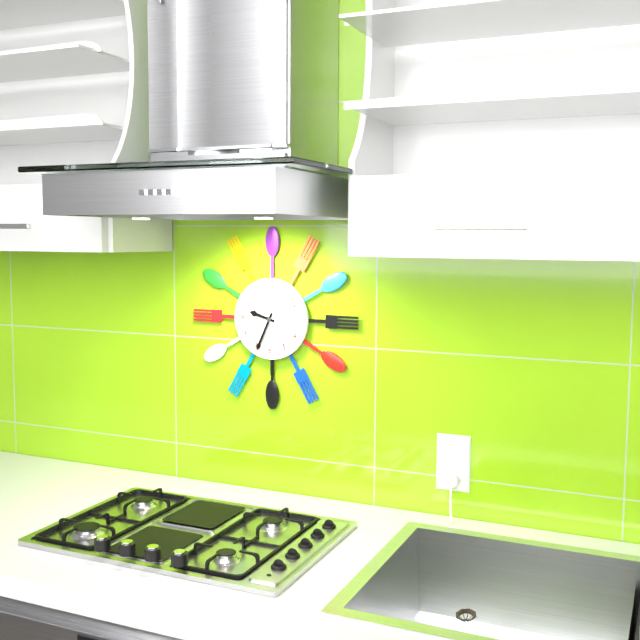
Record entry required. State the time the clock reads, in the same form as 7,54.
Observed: 9,34
